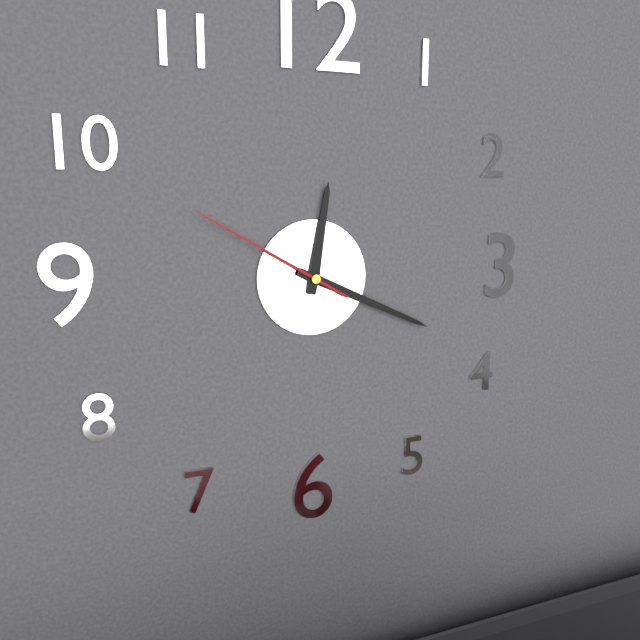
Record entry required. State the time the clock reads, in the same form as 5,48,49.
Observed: 12,19,50
